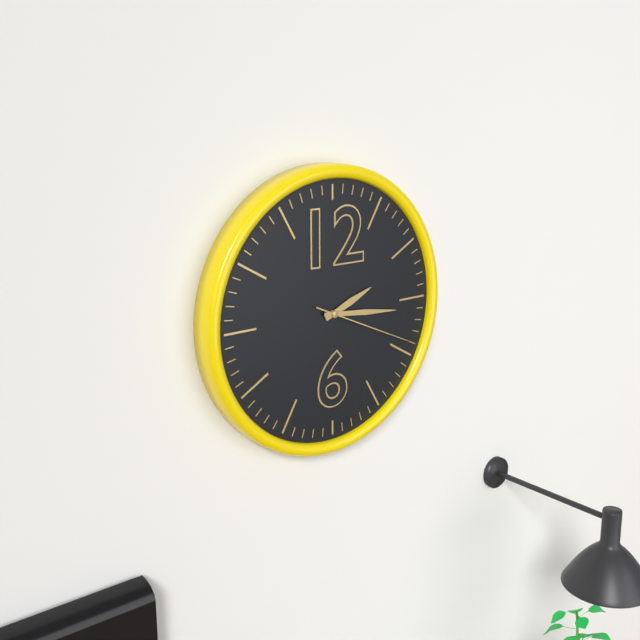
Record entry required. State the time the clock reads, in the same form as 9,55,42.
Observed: 2,16,19
